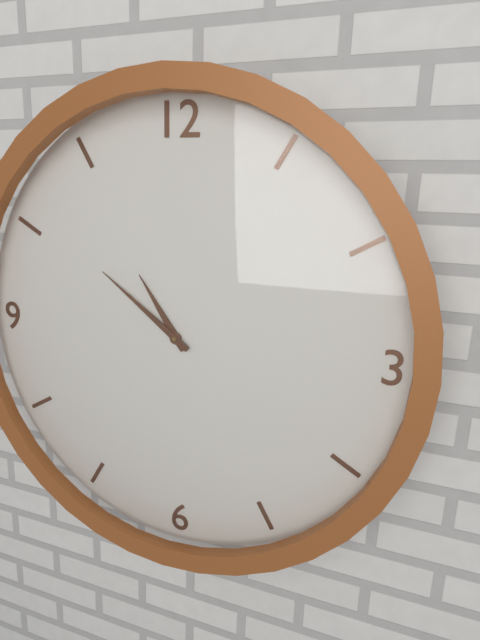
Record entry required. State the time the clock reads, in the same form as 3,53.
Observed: 10,51
